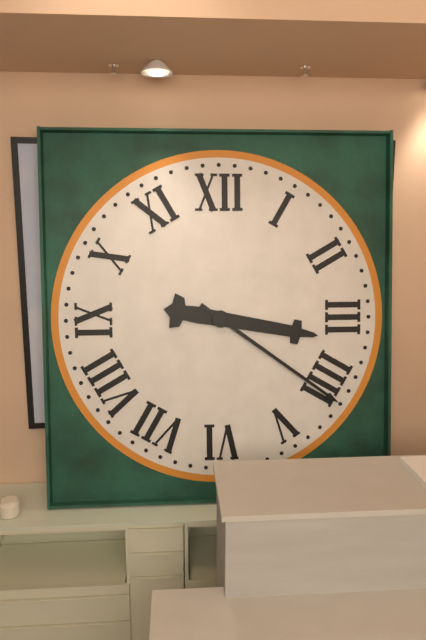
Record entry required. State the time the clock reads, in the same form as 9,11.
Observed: 3,21
